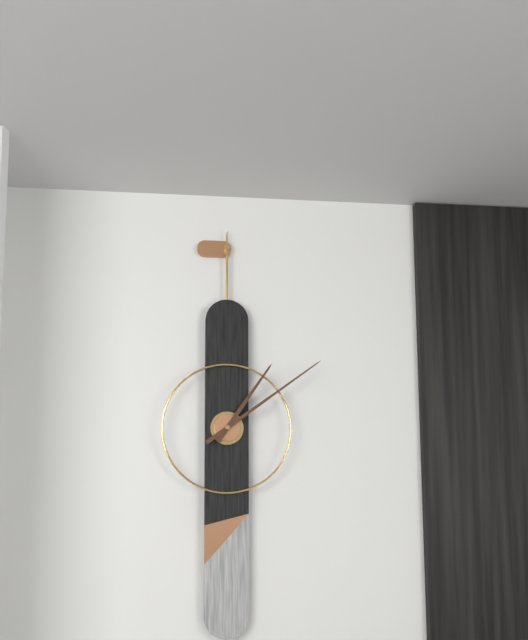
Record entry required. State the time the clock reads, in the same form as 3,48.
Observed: 1,09
